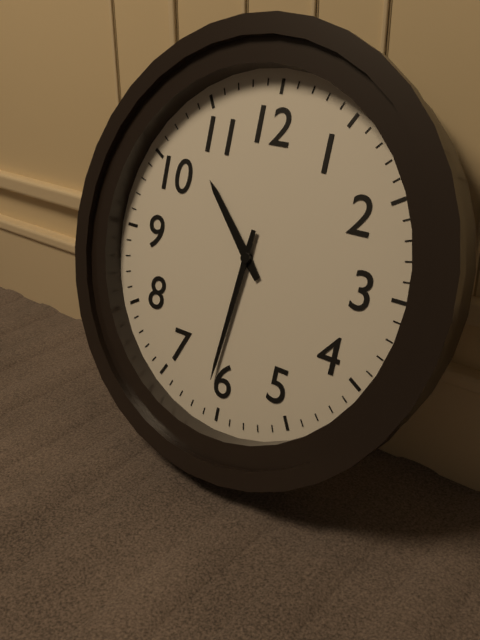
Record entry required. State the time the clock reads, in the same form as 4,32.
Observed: 10,31
